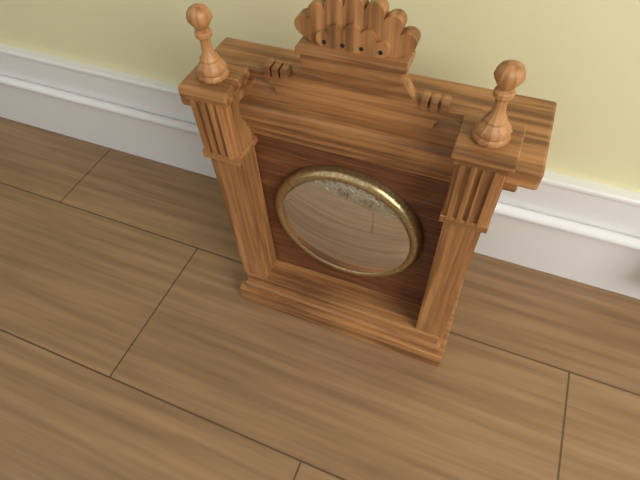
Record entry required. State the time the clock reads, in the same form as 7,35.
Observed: 9,33
